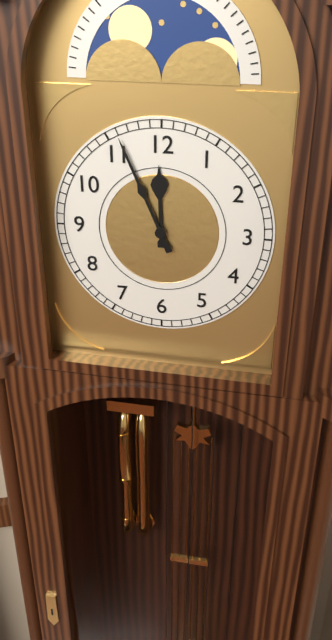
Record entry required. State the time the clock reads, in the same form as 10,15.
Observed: 11,56
